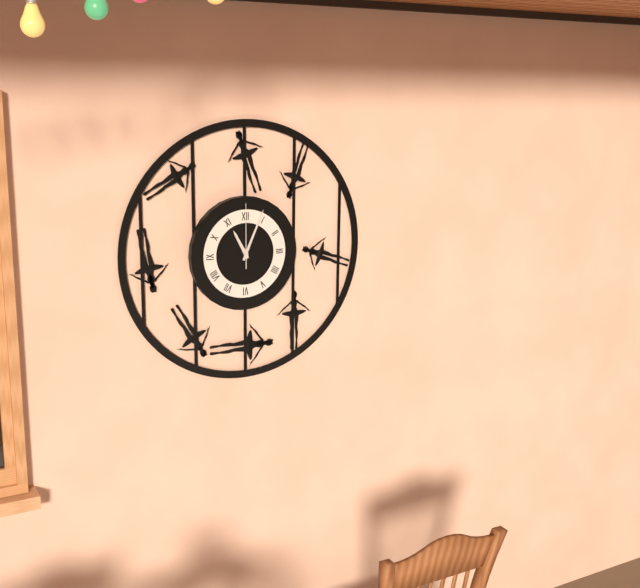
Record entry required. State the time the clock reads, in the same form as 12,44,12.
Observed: 11,04,00
